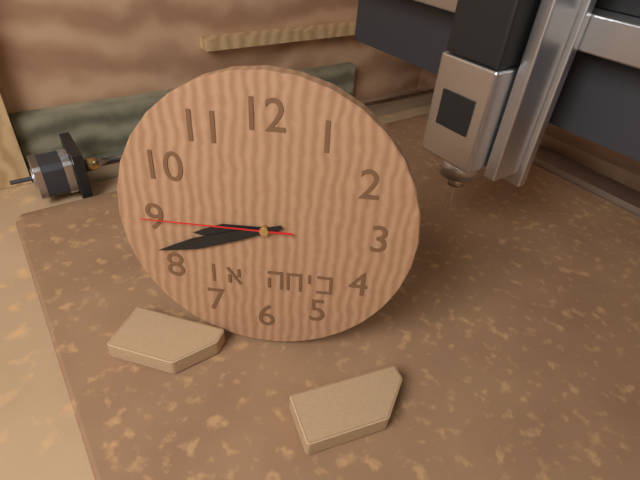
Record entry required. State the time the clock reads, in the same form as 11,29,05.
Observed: 8,42,45
